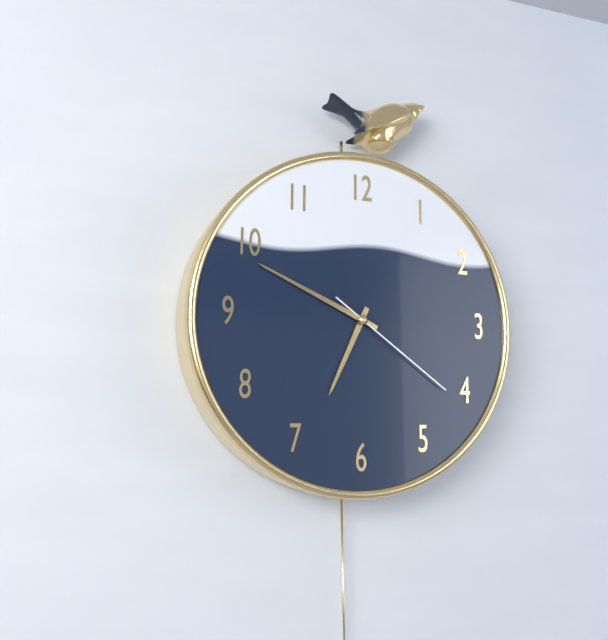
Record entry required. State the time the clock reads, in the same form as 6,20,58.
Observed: 6,49,21
